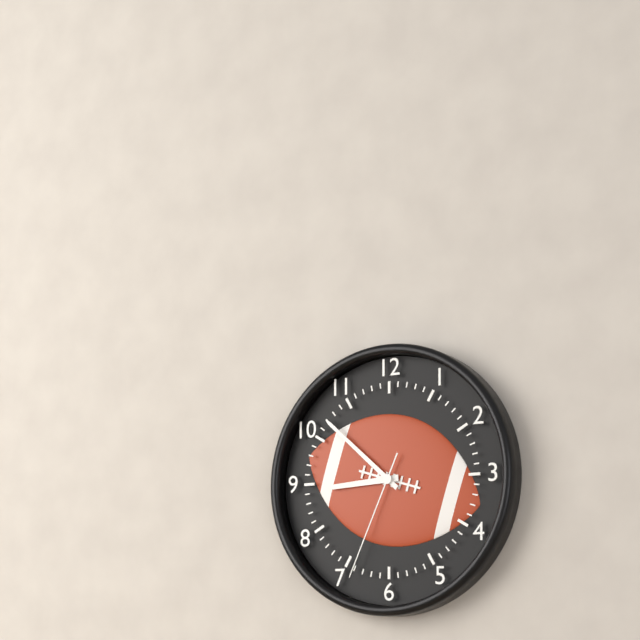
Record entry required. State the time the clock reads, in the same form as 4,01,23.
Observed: 8,52,34
